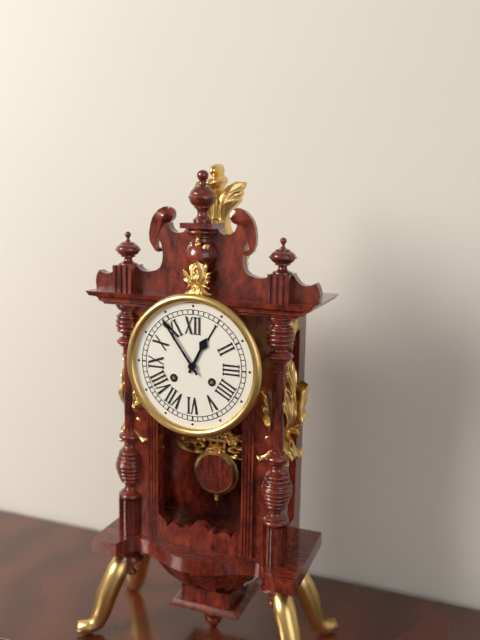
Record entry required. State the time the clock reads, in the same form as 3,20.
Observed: 12,54
